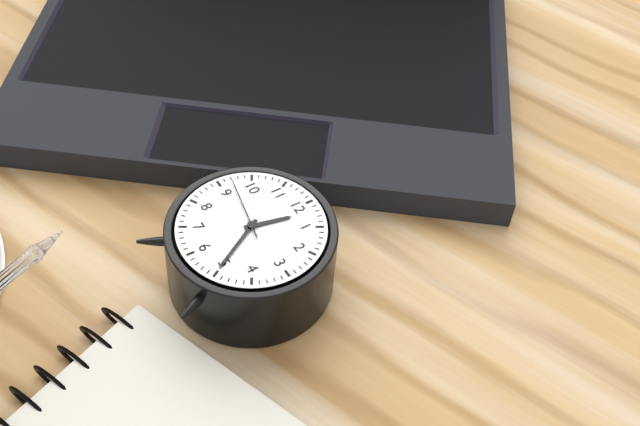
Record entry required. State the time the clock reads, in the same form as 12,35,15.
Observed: 12,25,47
